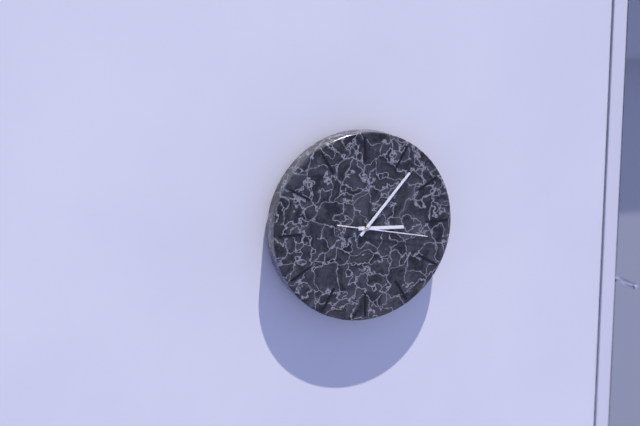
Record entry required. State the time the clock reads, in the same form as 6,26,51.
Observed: 3,07,17
